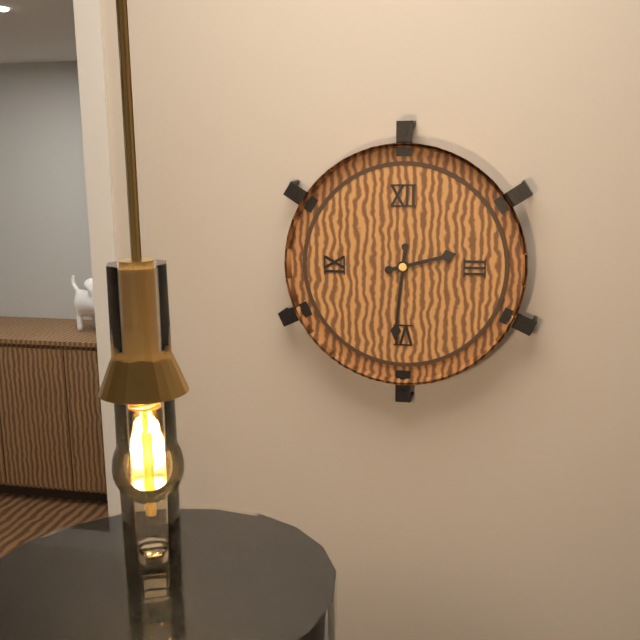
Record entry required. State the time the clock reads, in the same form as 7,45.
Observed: 2,31
